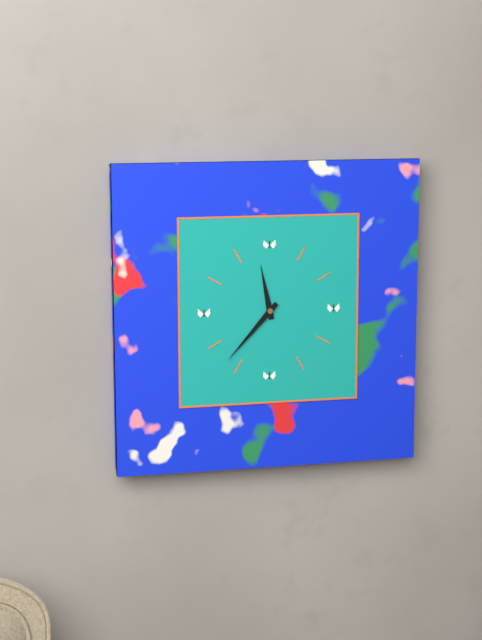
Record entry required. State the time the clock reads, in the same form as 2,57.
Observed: 11,37
